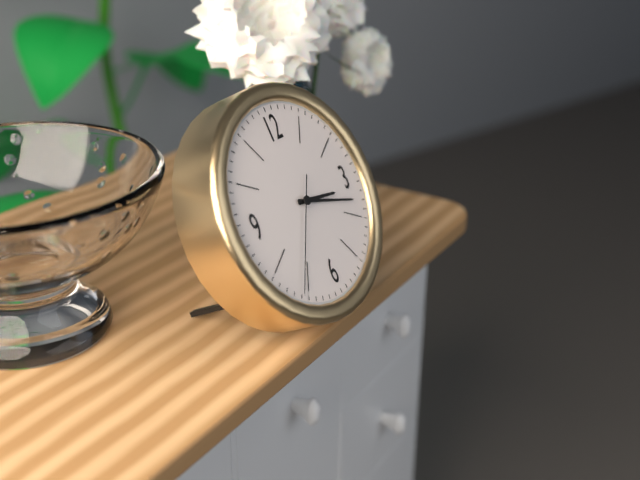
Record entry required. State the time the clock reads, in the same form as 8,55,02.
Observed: 3,18,36
